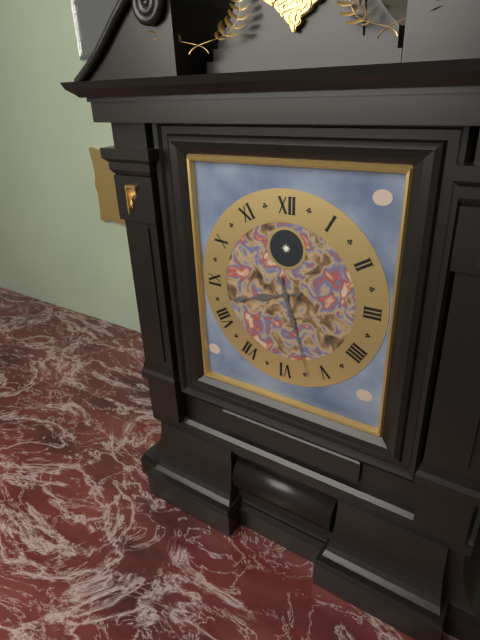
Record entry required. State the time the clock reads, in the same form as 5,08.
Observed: 8,27
